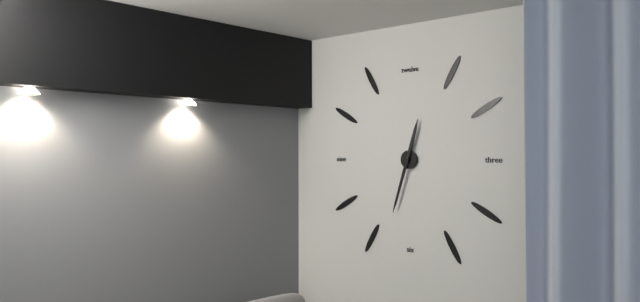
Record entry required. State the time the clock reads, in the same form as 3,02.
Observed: 12,33
